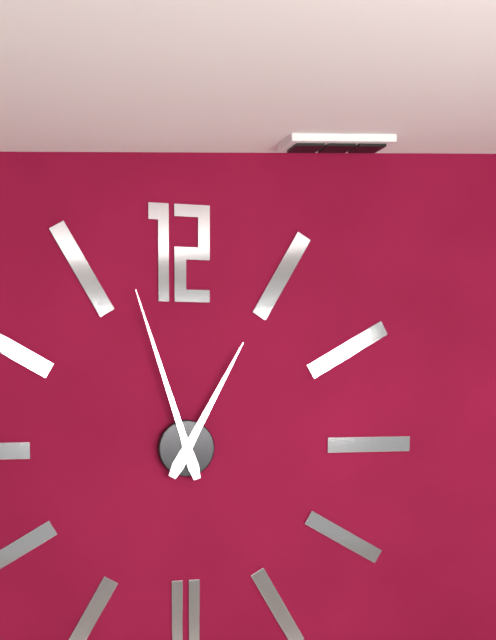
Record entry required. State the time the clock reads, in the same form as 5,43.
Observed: 12,57
